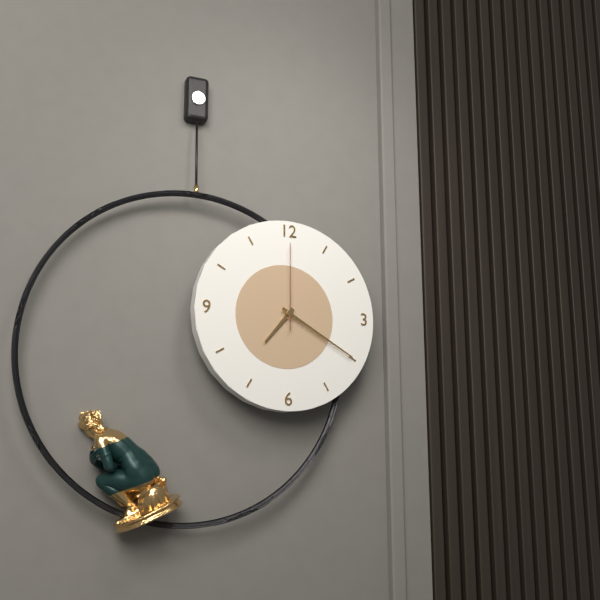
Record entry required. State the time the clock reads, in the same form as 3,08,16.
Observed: 7,20,00
